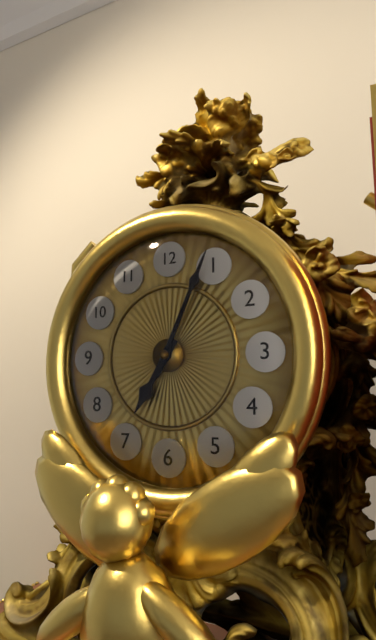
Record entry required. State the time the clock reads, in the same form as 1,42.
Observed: 7,04
